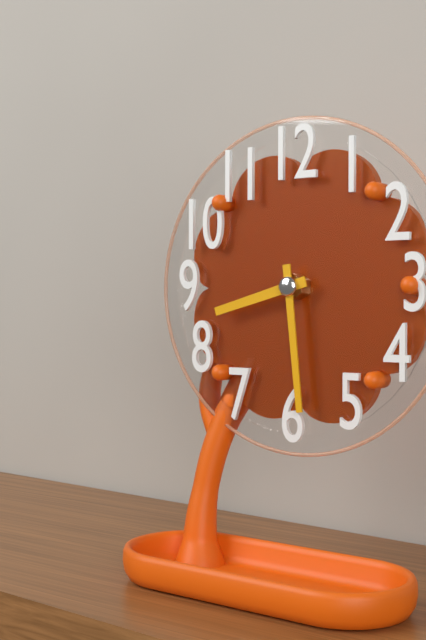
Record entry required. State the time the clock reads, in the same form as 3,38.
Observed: 8,29
